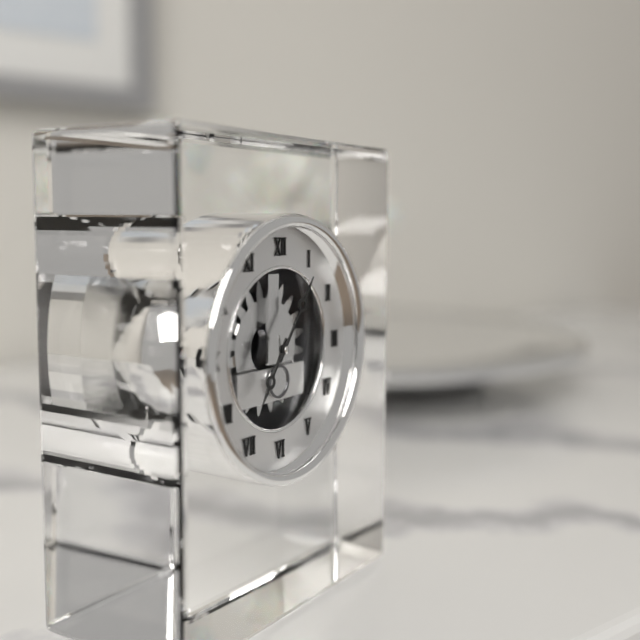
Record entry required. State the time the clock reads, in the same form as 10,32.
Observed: 7,06
